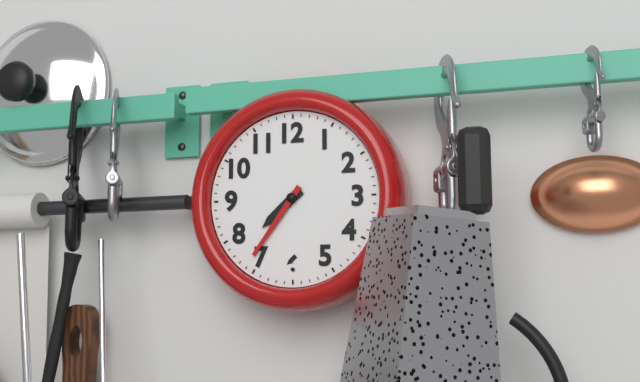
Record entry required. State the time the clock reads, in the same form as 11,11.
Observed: 7,36
